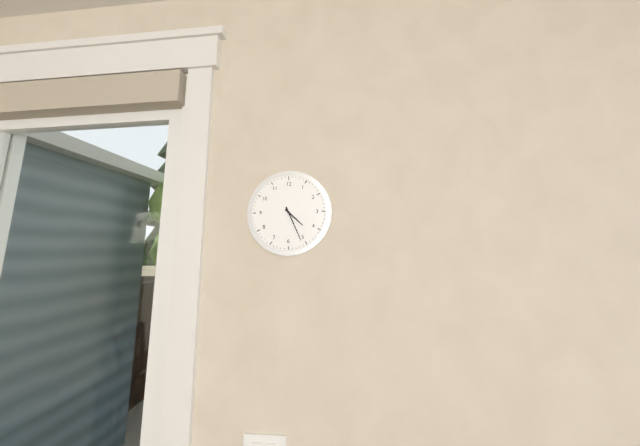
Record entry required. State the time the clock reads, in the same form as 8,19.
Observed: 4,26
